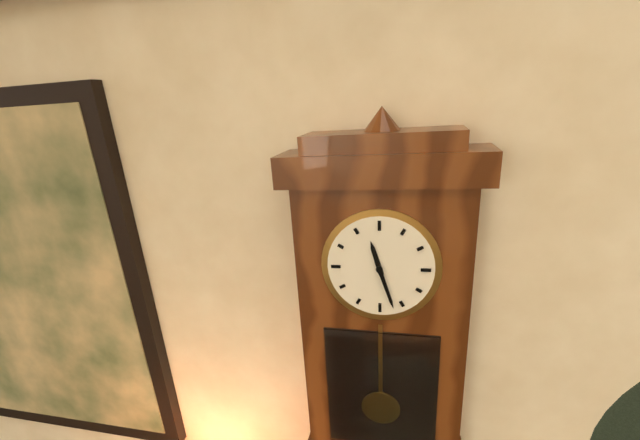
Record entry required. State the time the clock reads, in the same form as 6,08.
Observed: 11,27
